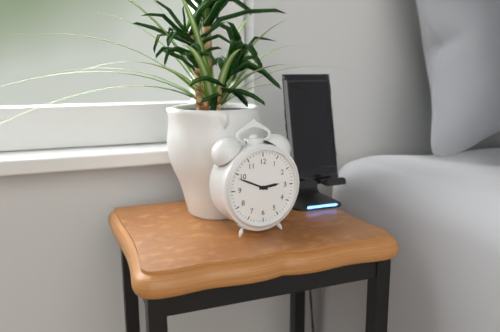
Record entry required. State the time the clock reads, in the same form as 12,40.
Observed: 2,49
